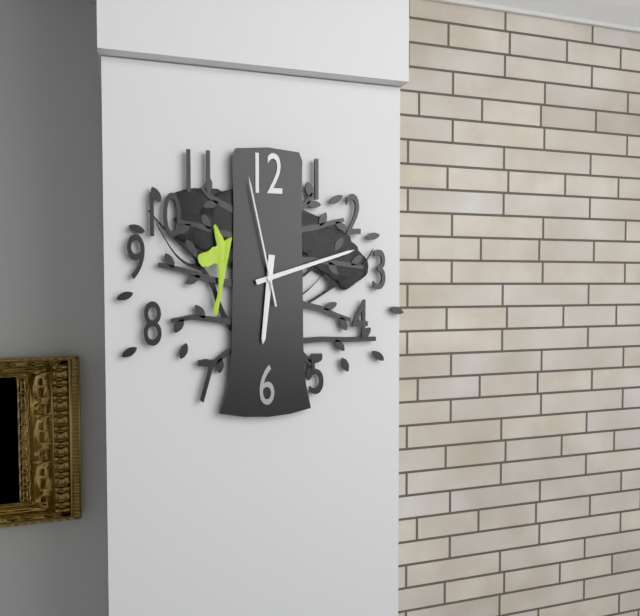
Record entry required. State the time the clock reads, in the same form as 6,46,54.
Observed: 6,12,58
